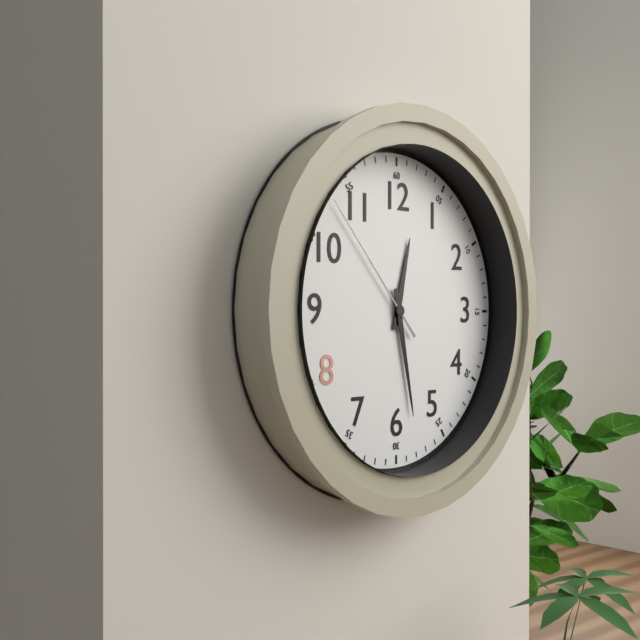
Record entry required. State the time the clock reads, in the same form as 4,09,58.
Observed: 12,28,53
